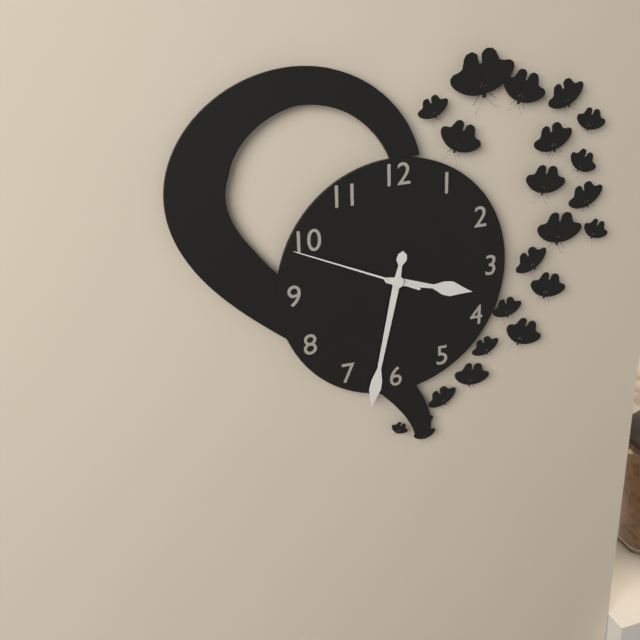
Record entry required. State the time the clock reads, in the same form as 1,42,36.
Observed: 3,32,49
